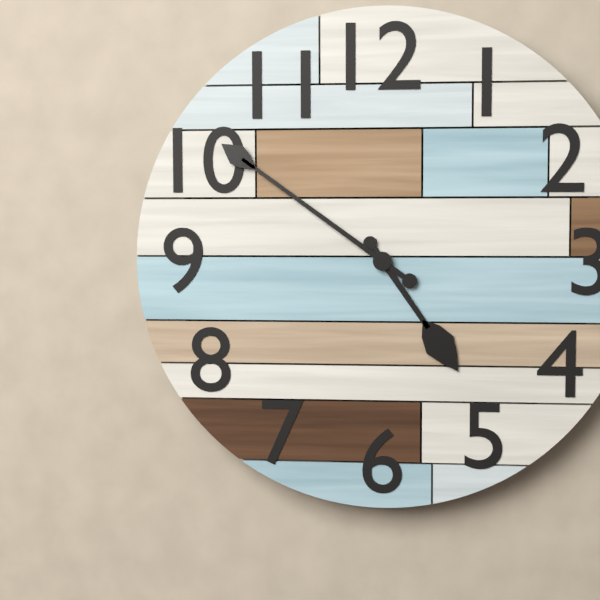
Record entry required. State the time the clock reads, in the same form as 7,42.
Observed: 4,51
